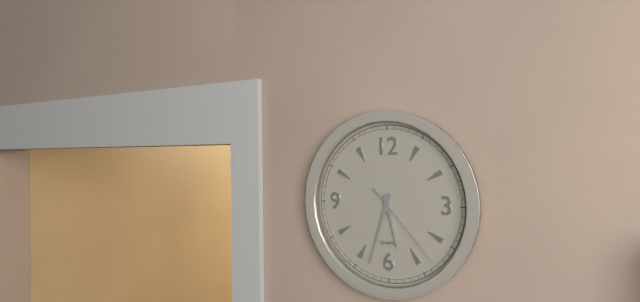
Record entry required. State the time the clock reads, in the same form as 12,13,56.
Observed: 5,33,23
